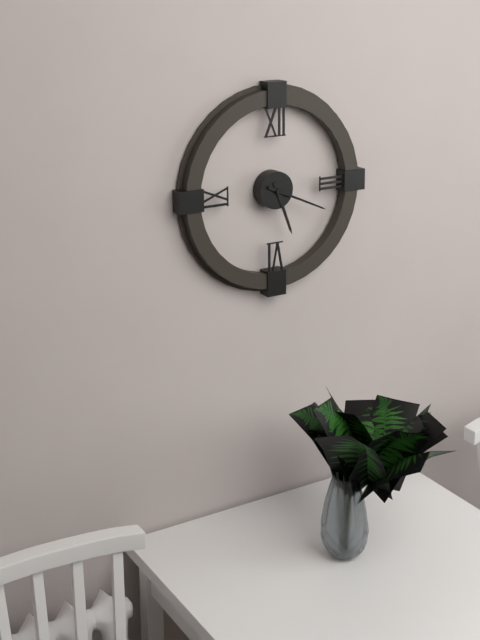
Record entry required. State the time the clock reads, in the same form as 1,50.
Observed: 5,19
